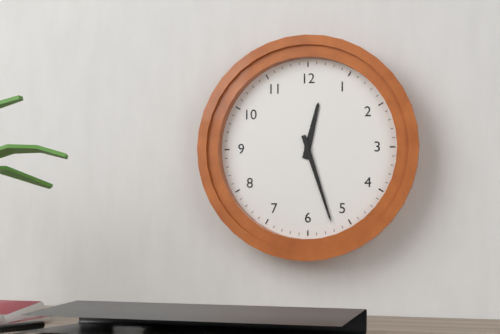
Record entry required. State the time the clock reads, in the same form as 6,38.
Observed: 12,27
